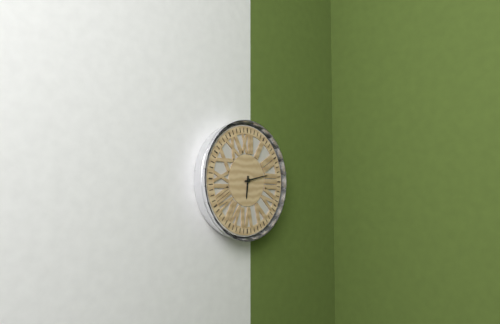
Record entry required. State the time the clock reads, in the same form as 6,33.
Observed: 6,13
